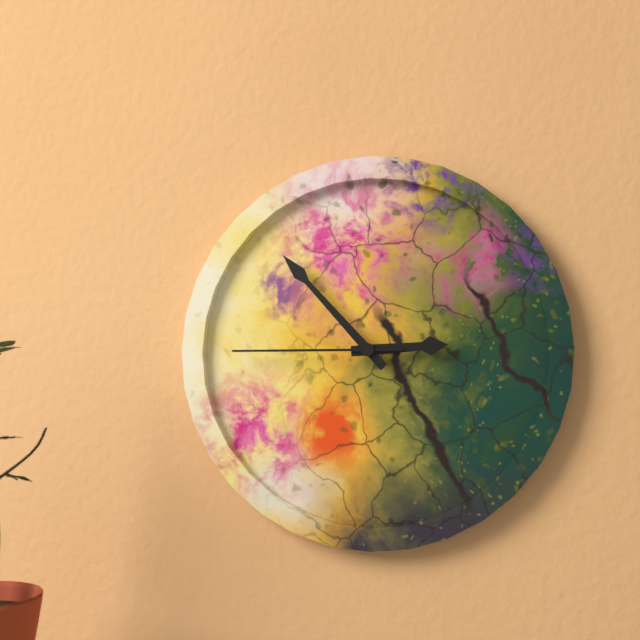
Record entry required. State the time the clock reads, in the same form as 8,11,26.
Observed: 2,53,45
